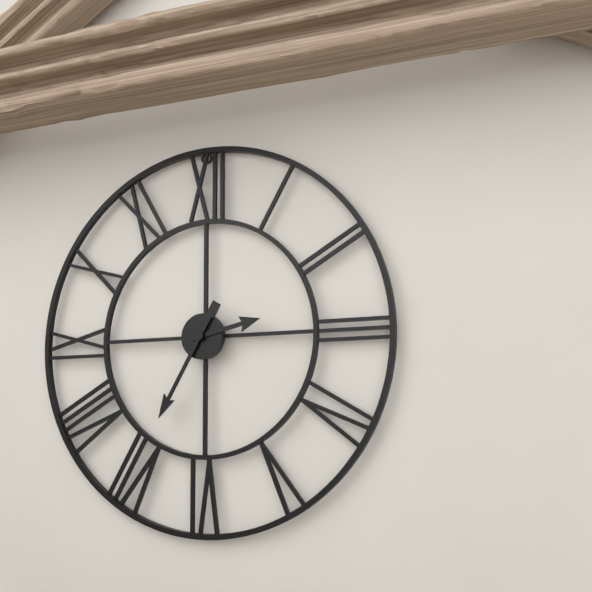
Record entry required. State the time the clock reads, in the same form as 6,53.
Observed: 2,35
